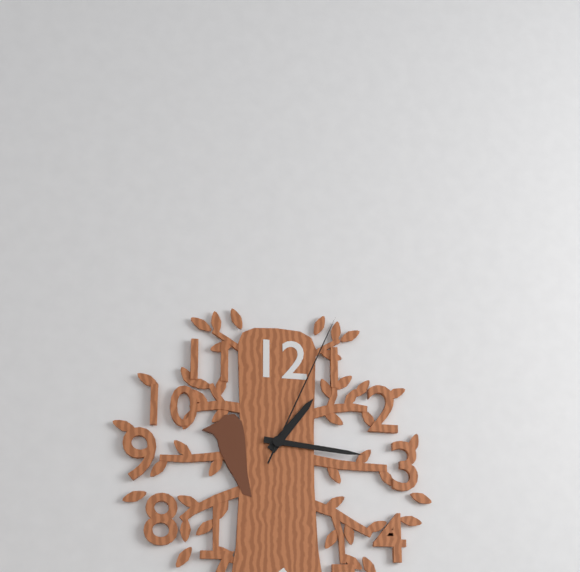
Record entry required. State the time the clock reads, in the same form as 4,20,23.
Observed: 1,16,04
